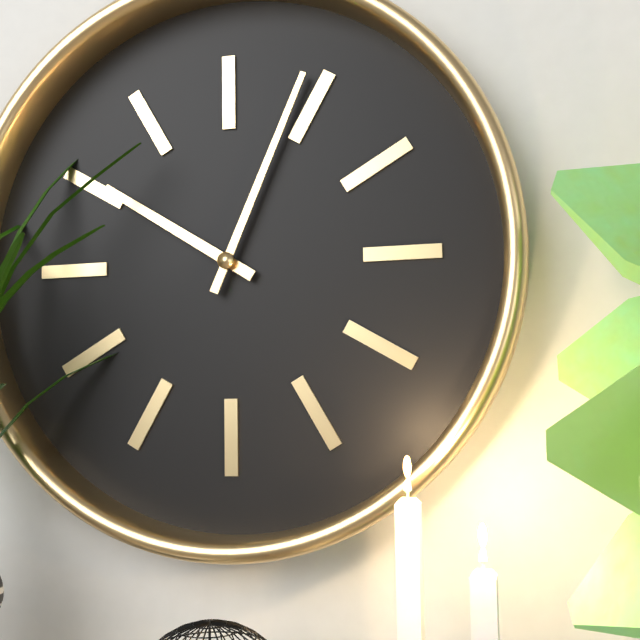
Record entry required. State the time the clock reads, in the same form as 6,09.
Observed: 10,04
